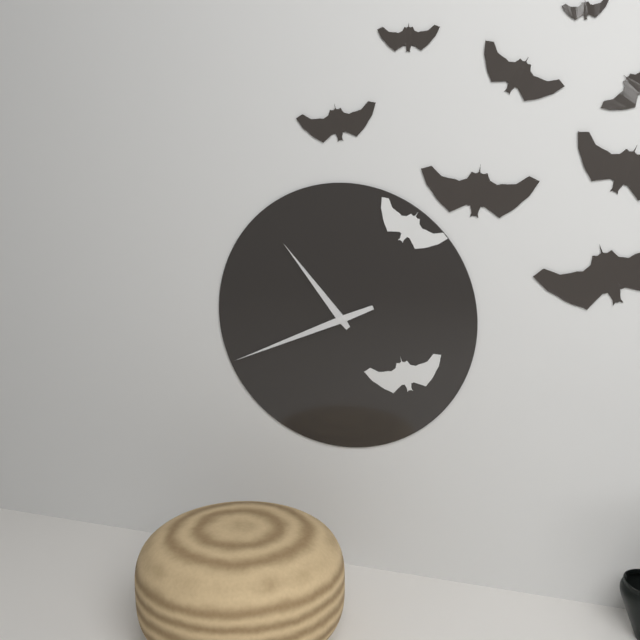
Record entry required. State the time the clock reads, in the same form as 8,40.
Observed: 10,41
